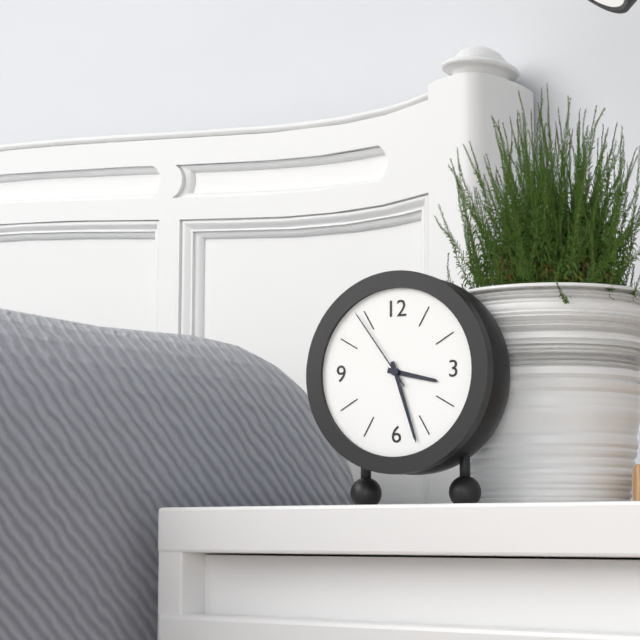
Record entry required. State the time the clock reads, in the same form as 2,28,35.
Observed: 3,27,54
